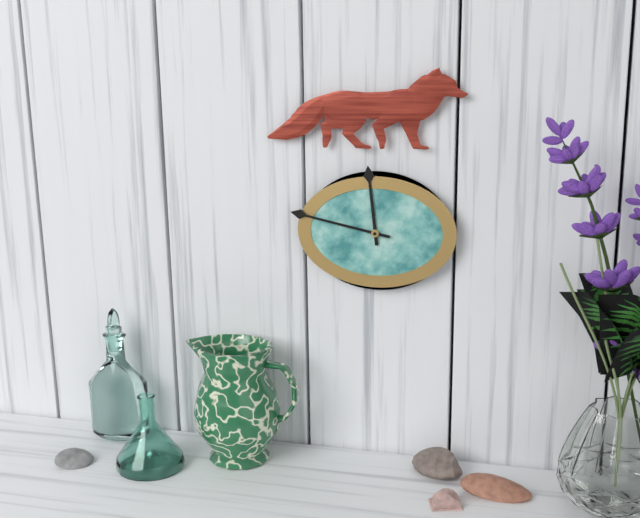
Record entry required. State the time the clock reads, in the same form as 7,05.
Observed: 11,47
